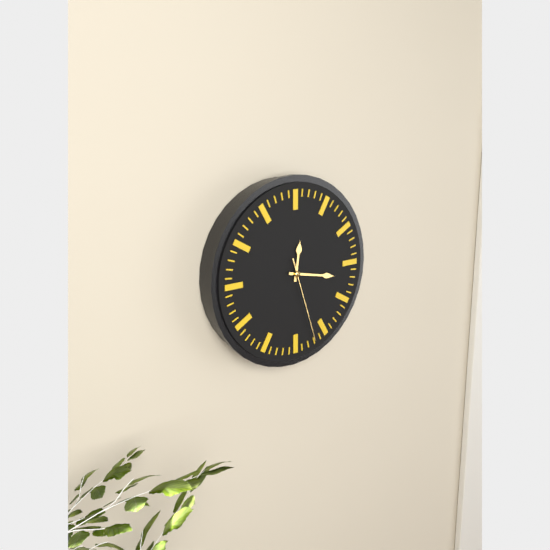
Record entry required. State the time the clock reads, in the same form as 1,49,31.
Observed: 12,17,27
